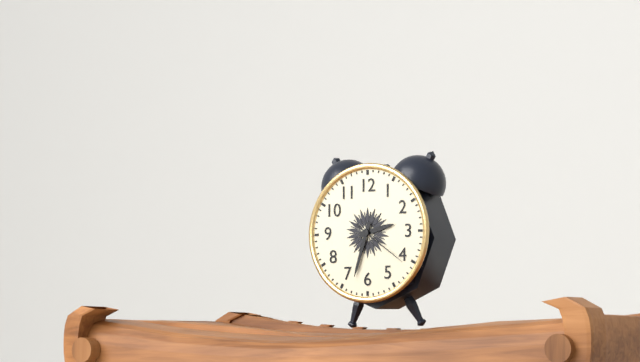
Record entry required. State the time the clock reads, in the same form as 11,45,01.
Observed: 2,33,21
